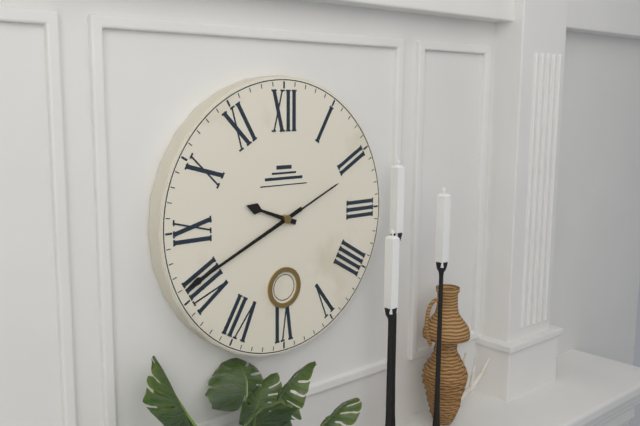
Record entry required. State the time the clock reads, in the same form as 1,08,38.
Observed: 9,41,11
